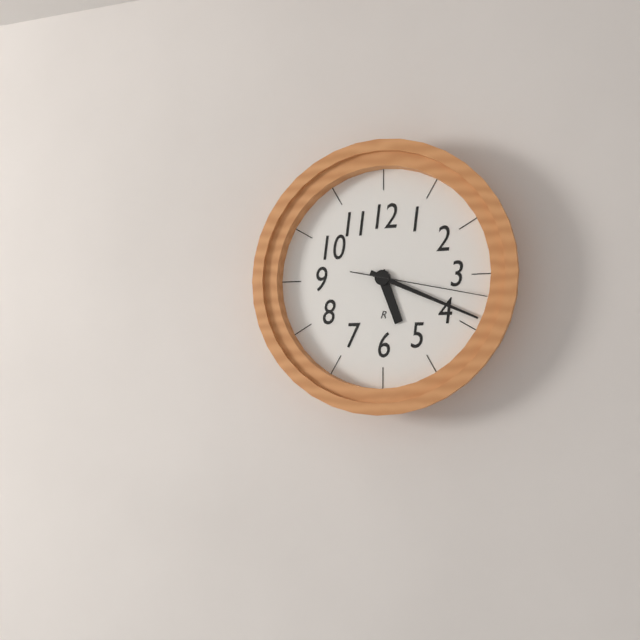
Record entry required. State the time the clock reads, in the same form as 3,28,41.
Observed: 5,19,17
